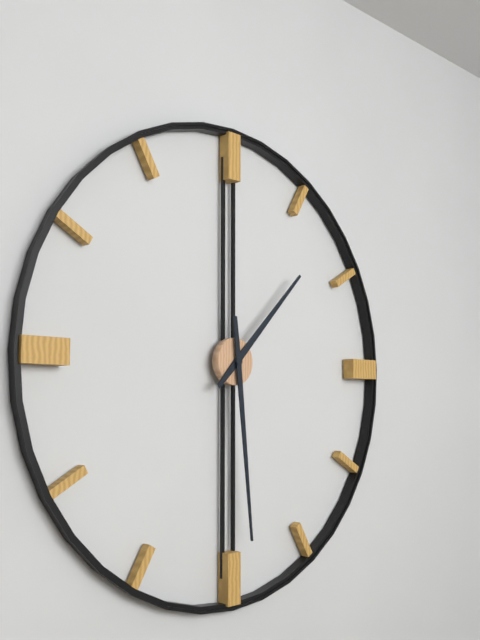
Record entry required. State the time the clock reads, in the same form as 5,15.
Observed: 1,29
